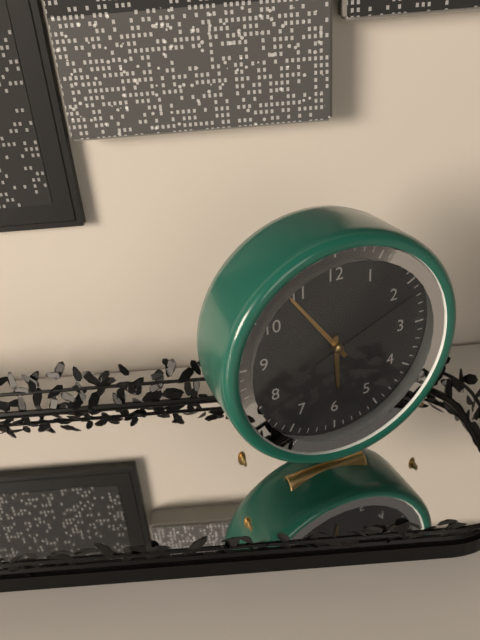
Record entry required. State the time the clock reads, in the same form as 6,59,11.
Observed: 5,54,11
